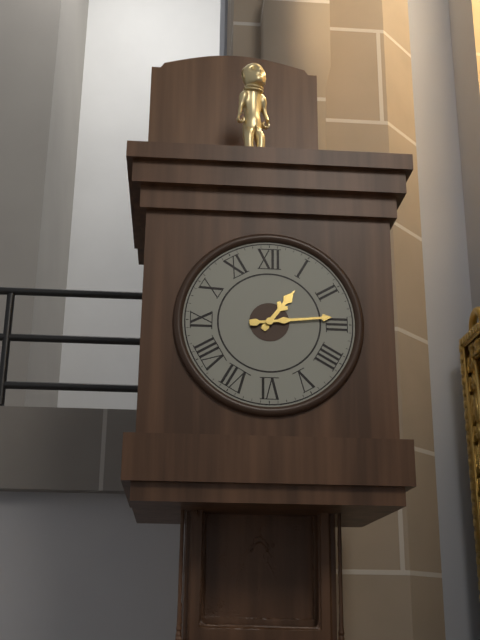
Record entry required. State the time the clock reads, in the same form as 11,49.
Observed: 1,14
